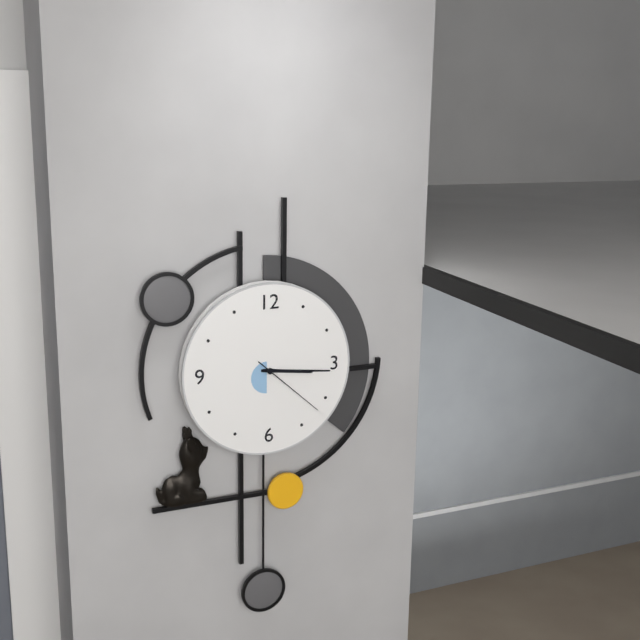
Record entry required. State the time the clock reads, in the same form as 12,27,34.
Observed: 3,16,22
